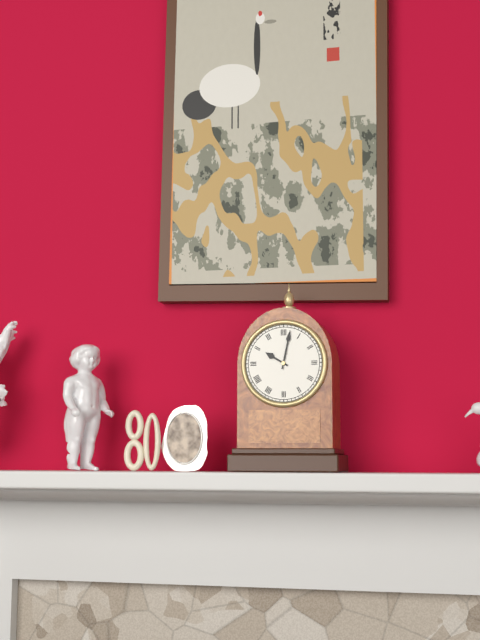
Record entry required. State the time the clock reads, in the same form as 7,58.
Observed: 10,02
